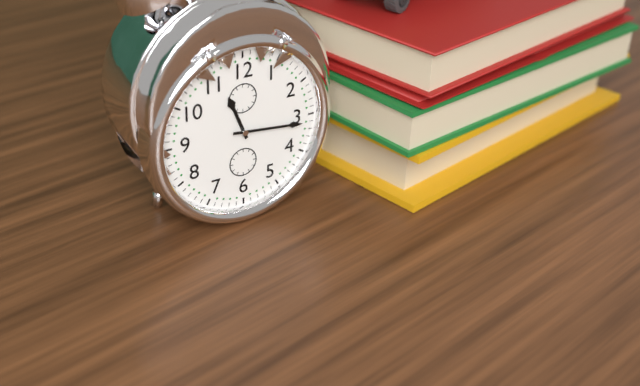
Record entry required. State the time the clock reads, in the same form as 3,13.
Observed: 11,16
